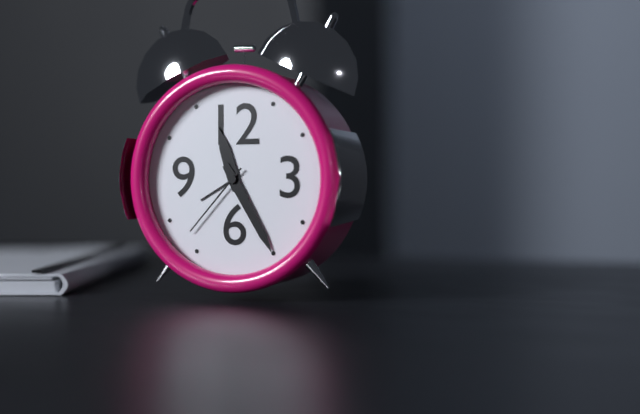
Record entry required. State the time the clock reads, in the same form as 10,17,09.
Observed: 11,25,37
